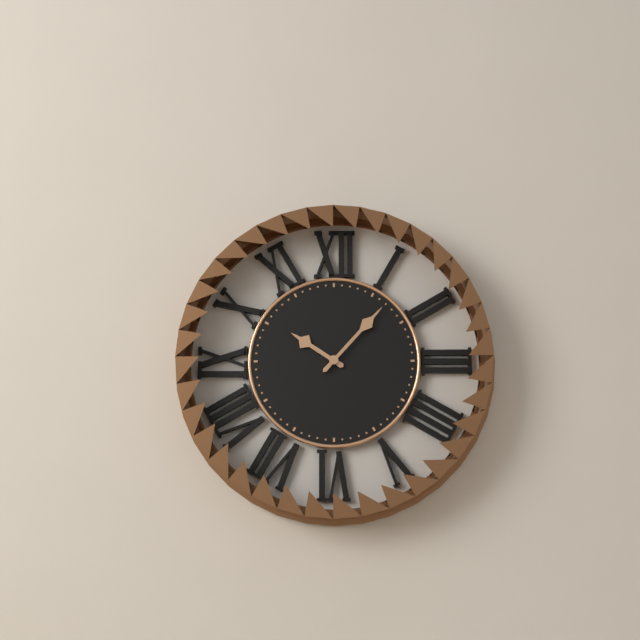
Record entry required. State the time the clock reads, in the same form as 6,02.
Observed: 10,07
